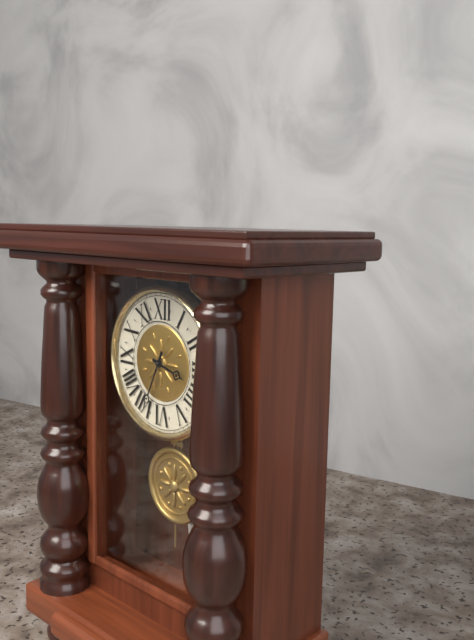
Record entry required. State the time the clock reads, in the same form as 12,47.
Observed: 3,34
